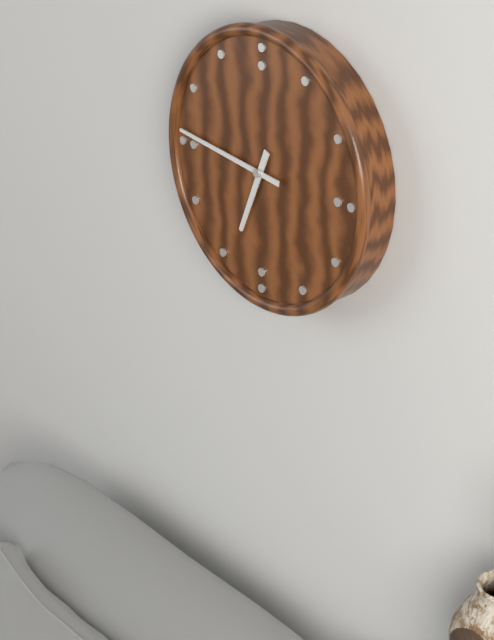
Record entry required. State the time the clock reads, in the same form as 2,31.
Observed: 6,46
